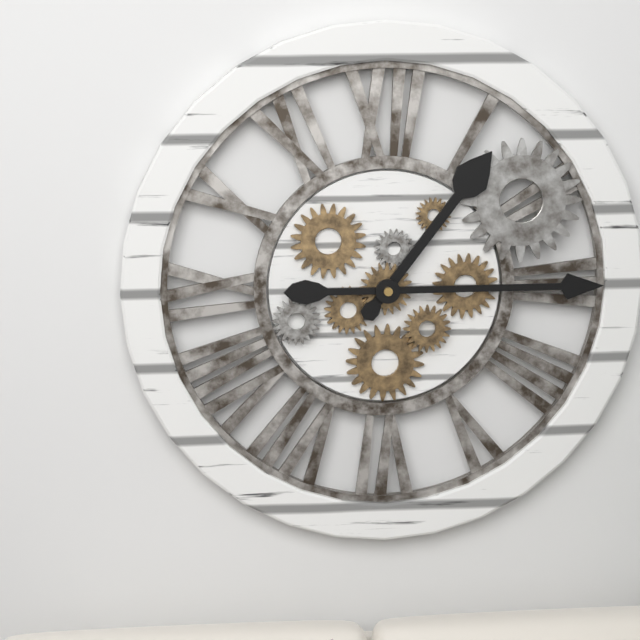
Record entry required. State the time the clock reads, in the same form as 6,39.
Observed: 1,15
